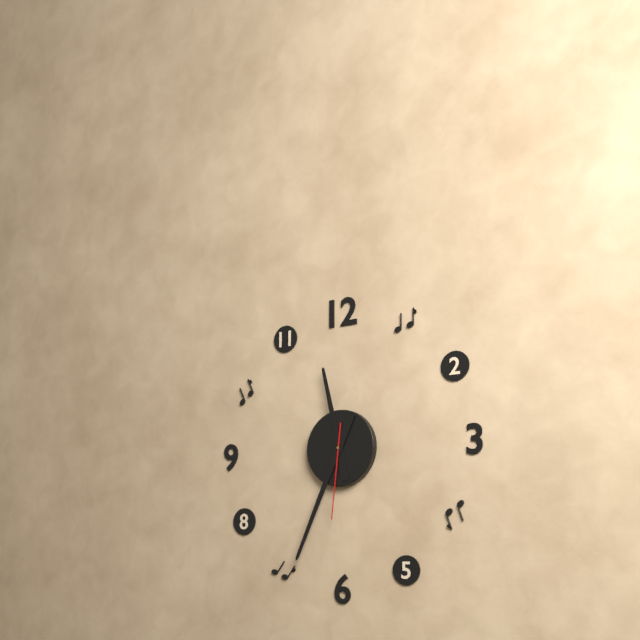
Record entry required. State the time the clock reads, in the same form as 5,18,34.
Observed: 11,34,31
